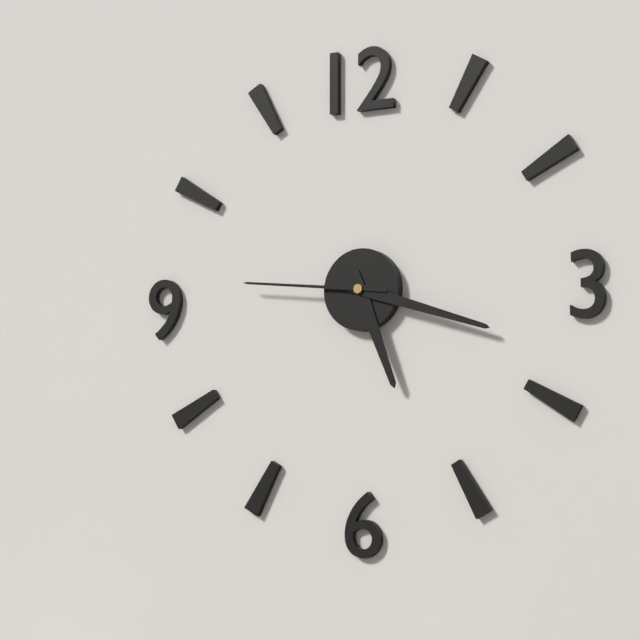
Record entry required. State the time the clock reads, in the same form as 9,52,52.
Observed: 5,18,46
